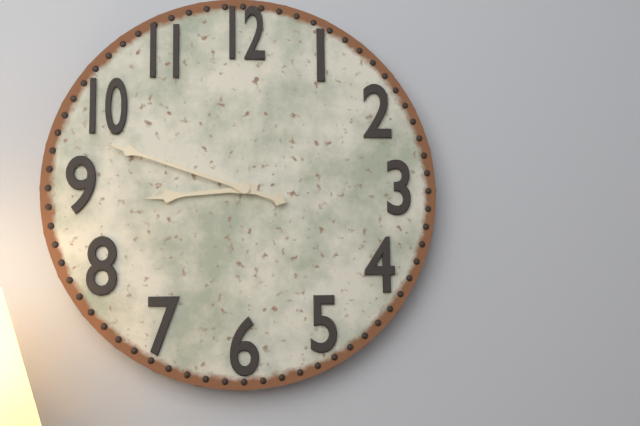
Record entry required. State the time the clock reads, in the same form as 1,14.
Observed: 8,48
